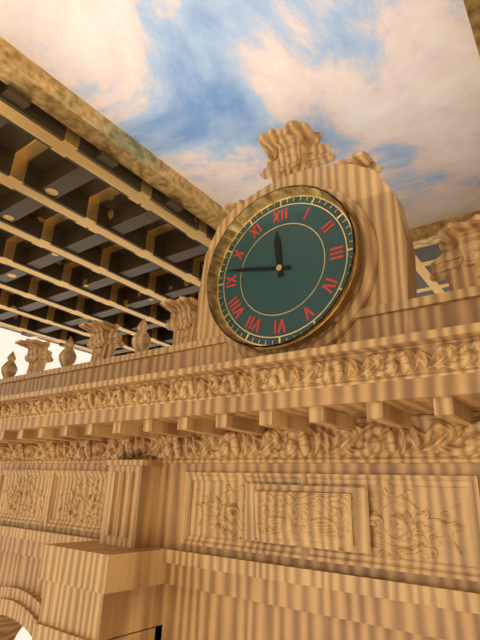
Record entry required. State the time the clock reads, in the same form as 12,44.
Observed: 11,47
